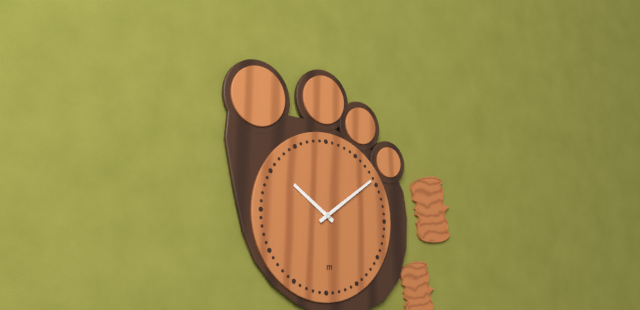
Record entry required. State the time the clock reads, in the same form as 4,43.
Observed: 10,09
